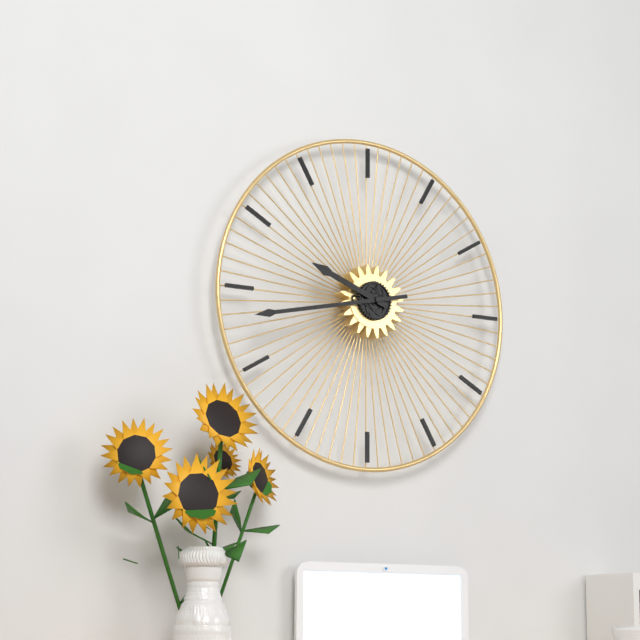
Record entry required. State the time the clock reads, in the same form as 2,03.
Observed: 9,43
